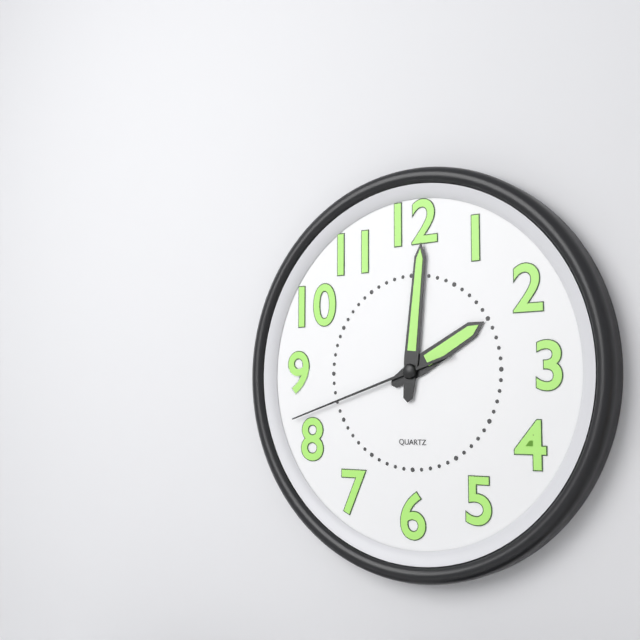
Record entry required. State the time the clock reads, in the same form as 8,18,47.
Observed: 2,01,42
